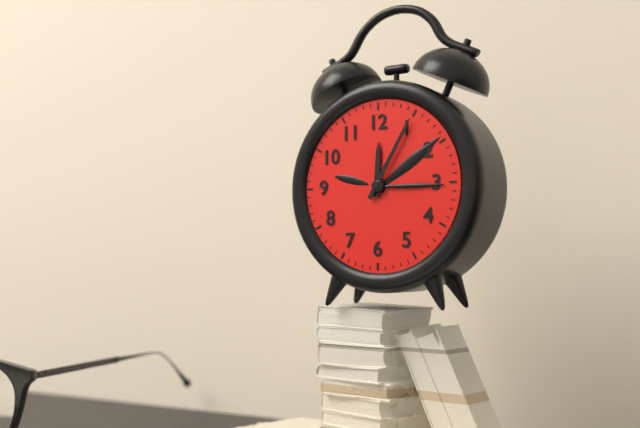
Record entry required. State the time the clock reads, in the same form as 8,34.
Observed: 12,05
